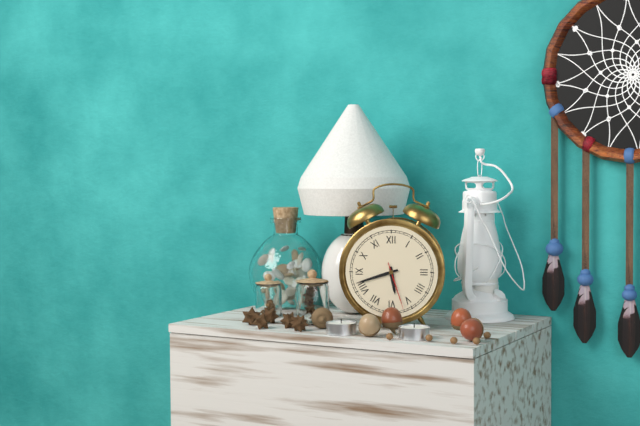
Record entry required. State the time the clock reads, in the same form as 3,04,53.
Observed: 5,42,27
